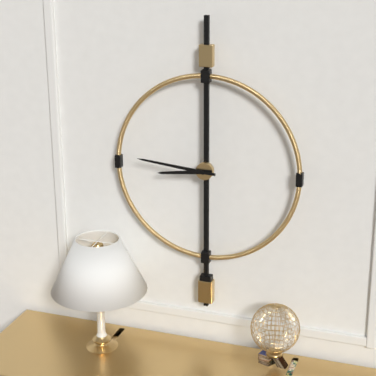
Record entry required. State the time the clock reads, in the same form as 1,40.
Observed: 8,46
